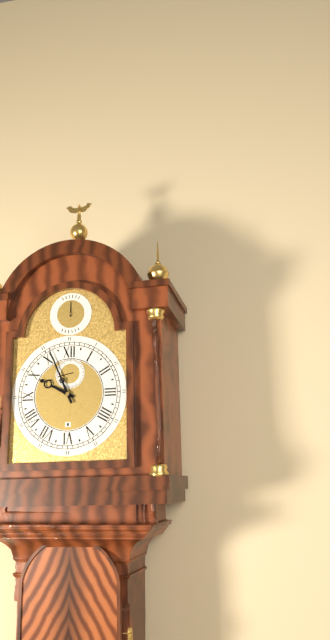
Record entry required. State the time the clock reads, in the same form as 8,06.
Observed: 9,56
